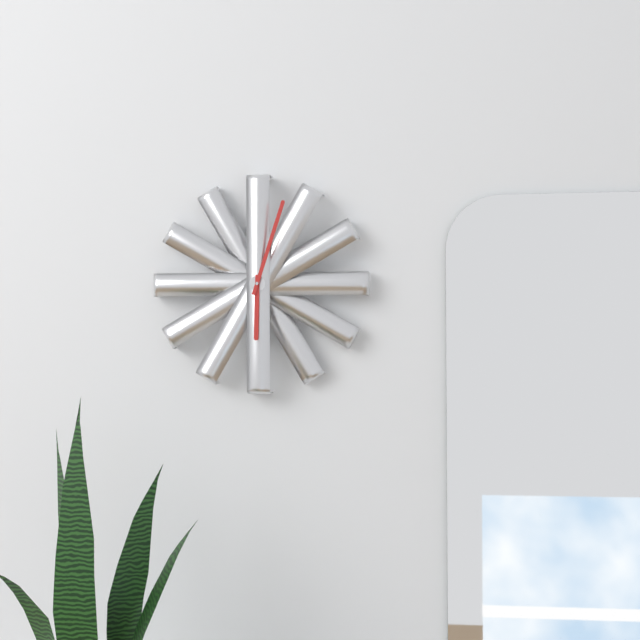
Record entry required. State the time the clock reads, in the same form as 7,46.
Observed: 6,03
